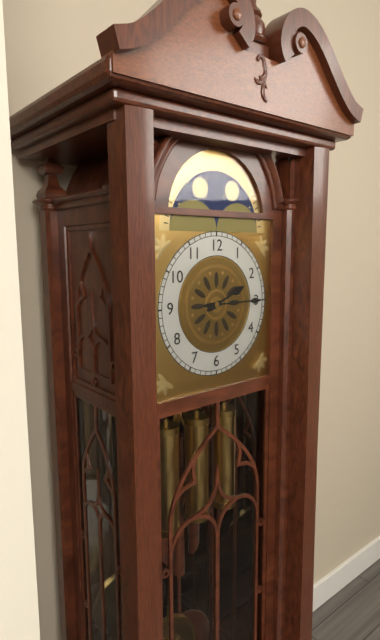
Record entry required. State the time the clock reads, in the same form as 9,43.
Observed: 2,15
